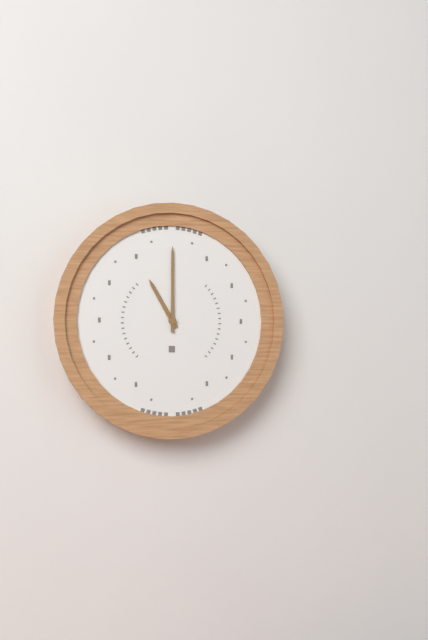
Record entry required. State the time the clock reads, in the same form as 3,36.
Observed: 11,00
